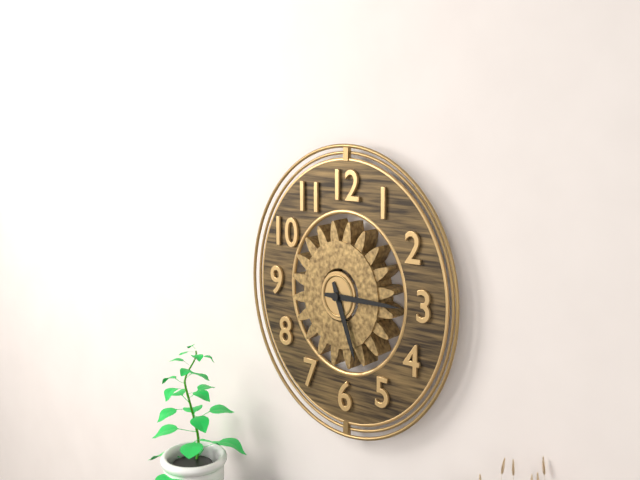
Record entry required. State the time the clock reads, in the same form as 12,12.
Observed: 5,15
